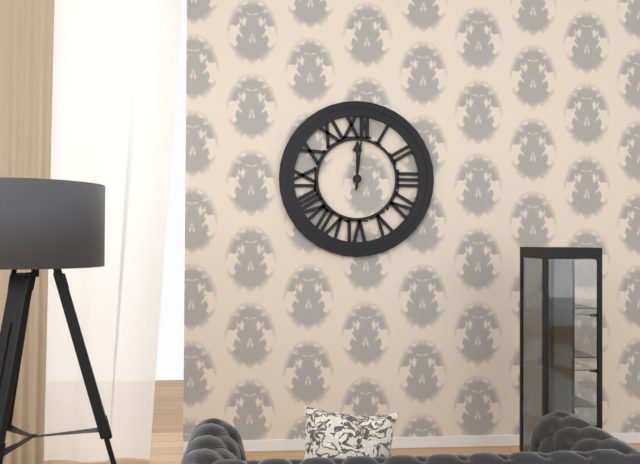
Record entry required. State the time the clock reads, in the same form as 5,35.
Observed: 12,01
